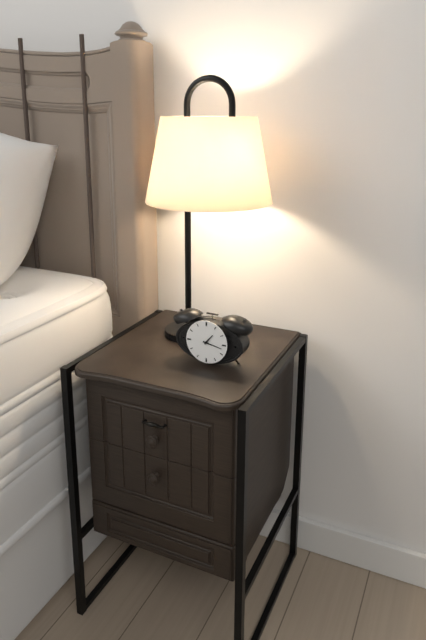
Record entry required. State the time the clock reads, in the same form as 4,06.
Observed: 1,17
